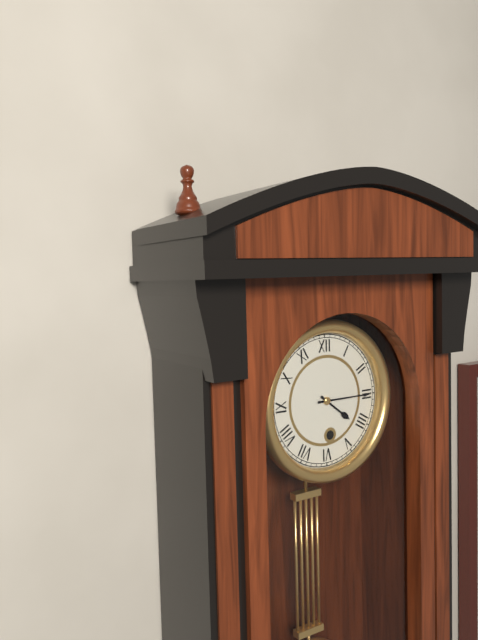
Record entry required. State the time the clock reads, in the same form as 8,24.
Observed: 4,15
